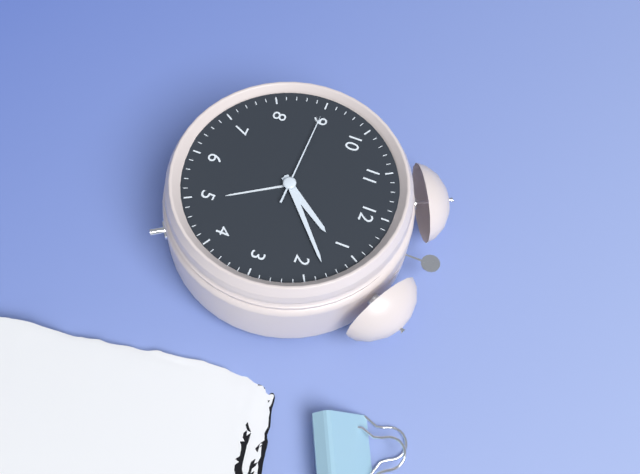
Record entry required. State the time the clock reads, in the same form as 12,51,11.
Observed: 1,08,45
